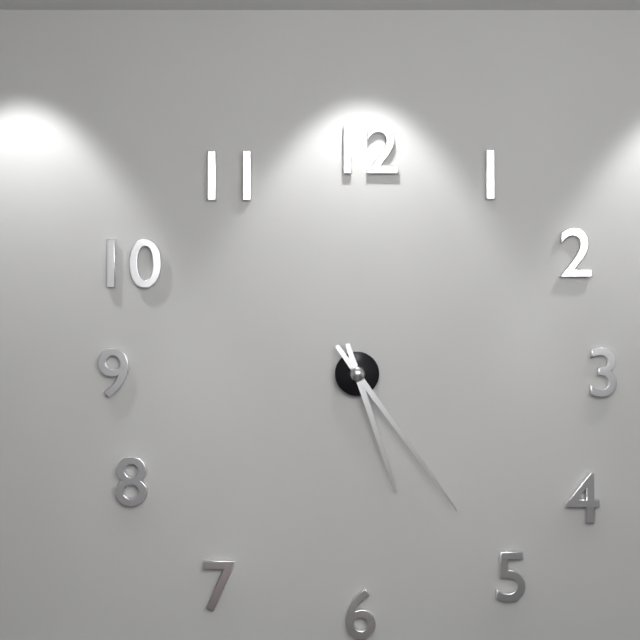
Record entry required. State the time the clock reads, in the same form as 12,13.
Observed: 5,24
